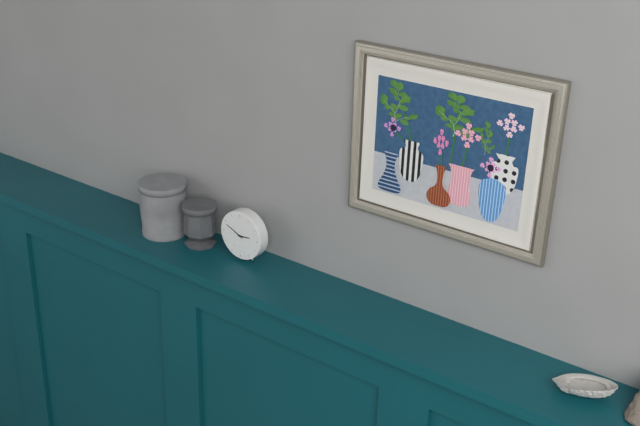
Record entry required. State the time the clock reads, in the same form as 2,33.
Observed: 2,49
